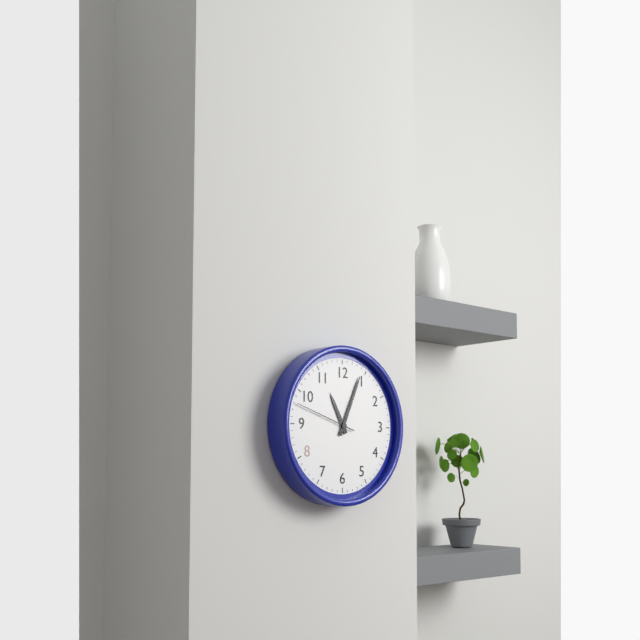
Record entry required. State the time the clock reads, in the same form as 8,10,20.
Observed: 11,04,48
